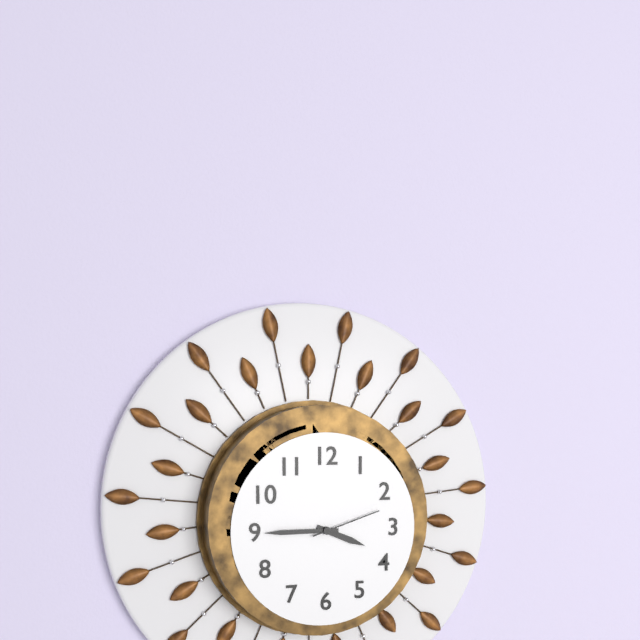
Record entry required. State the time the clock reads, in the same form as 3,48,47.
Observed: 3,45,12
